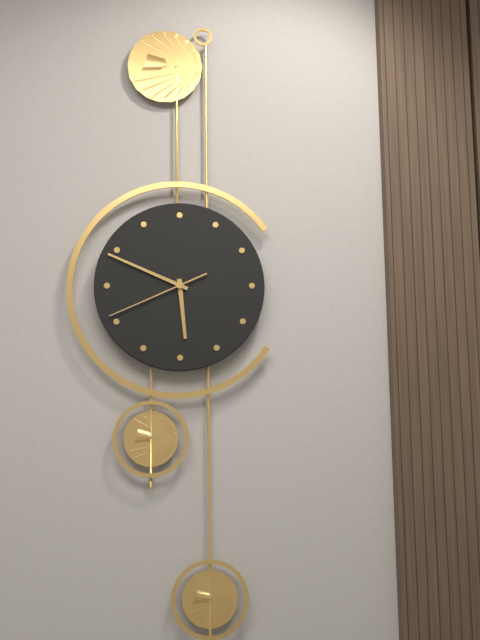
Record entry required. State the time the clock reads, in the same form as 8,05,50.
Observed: 5,49,41
